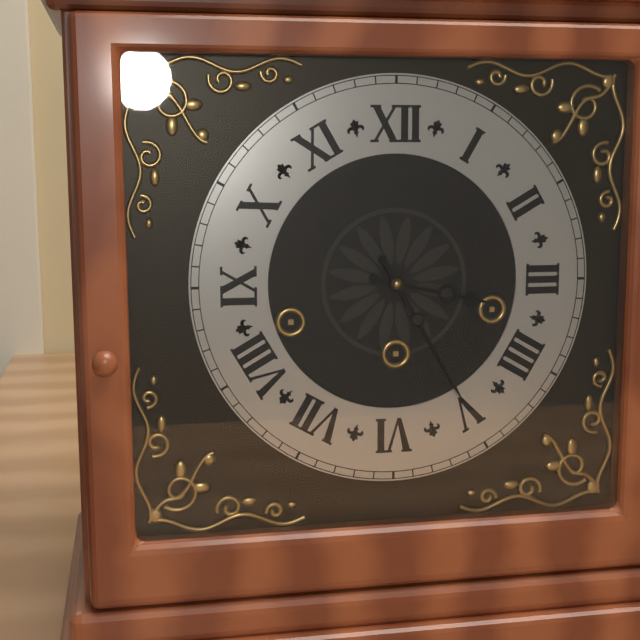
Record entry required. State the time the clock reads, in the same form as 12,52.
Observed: 3,25
